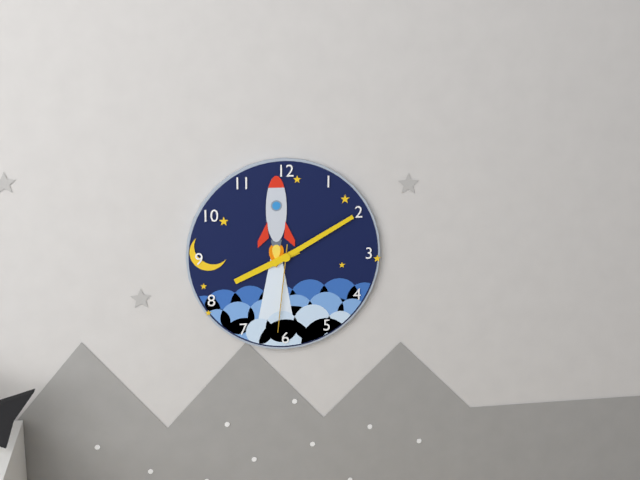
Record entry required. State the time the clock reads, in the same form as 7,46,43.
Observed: 8,10,31
